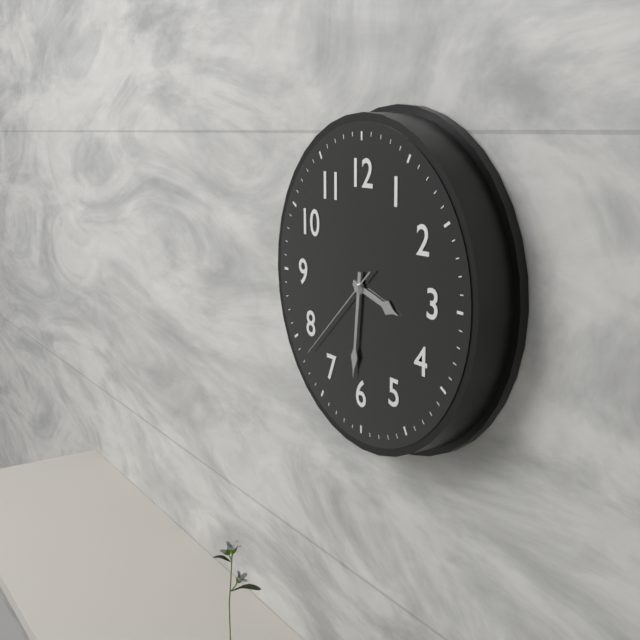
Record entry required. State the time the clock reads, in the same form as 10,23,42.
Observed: 3,31,38
